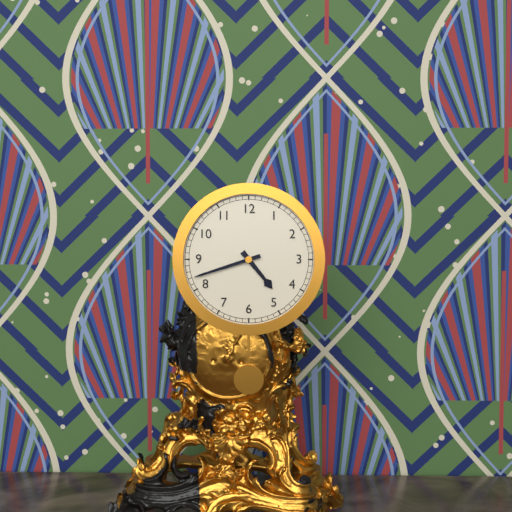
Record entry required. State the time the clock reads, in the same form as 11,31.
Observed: 4,42
